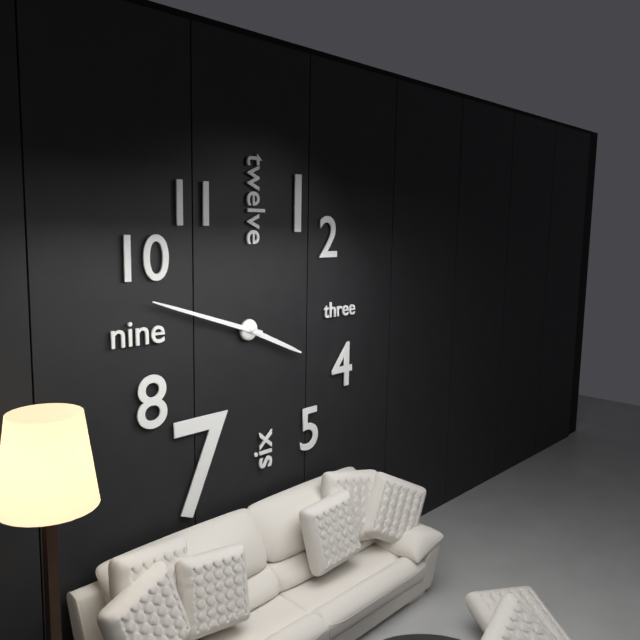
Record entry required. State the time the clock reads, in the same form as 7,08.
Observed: 3,48
